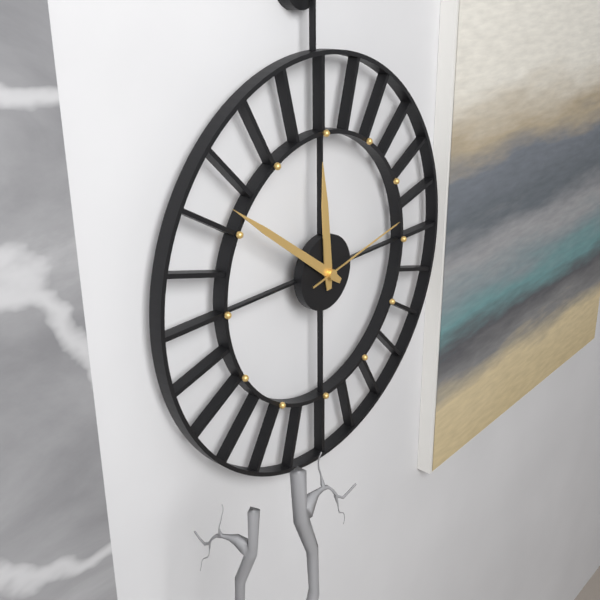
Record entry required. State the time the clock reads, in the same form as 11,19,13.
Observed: 11,51,13
